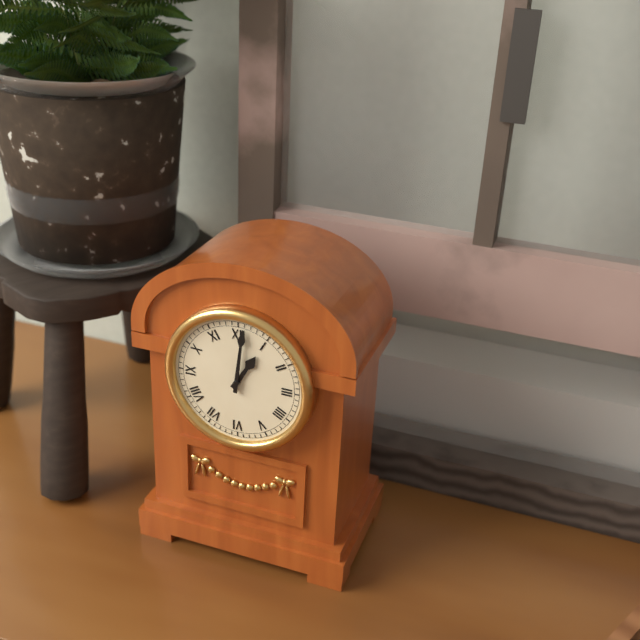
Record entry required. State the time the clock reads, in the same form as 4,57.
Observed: 1,01
